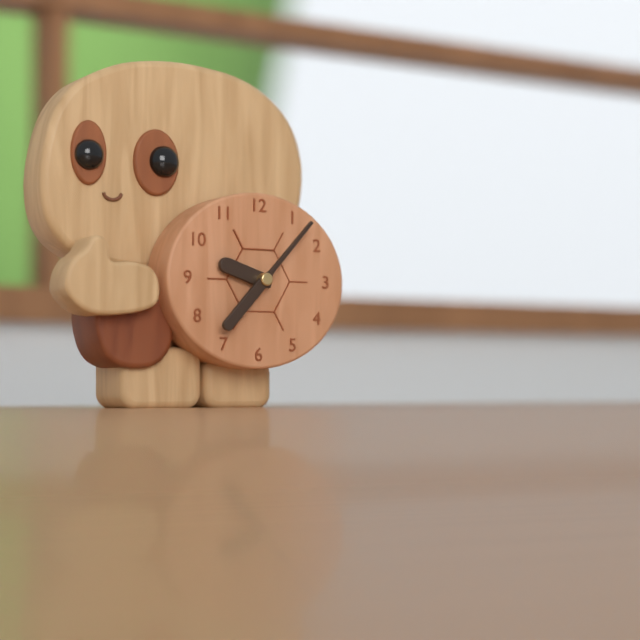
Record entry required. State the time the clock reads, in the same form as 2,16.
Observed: 9,37
